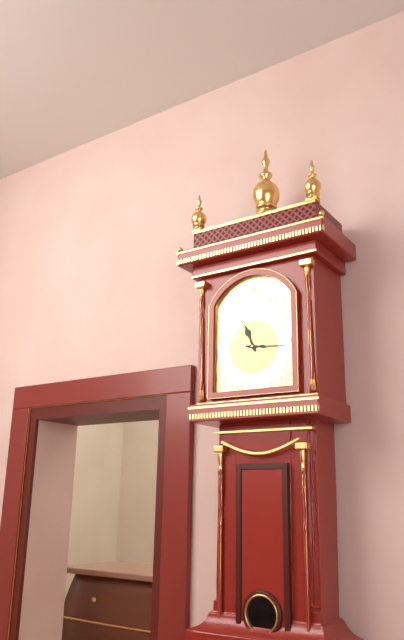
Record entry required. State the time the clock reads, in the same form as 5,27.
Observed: 11,16
